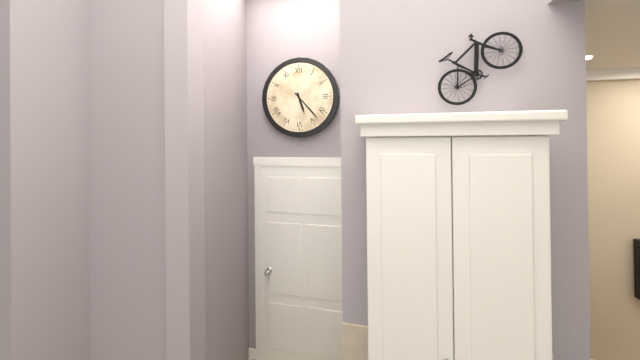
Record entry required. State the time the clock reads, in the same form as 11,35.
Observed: 5,23
